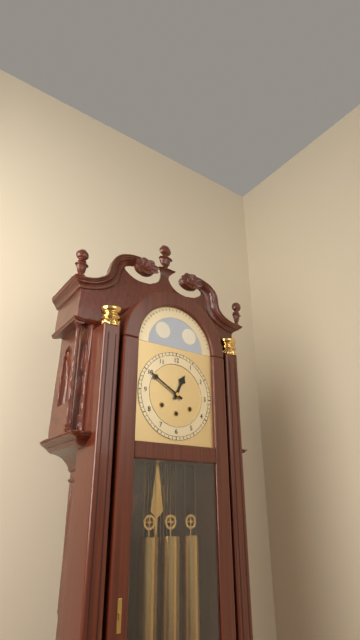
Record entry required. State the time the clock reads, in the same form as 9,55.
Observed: 12,50
